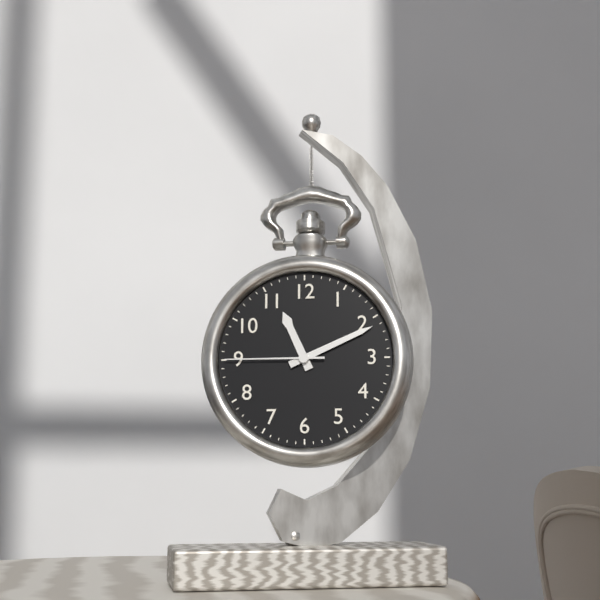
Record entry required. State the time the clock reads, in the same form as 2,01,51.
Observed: 11,11,45
